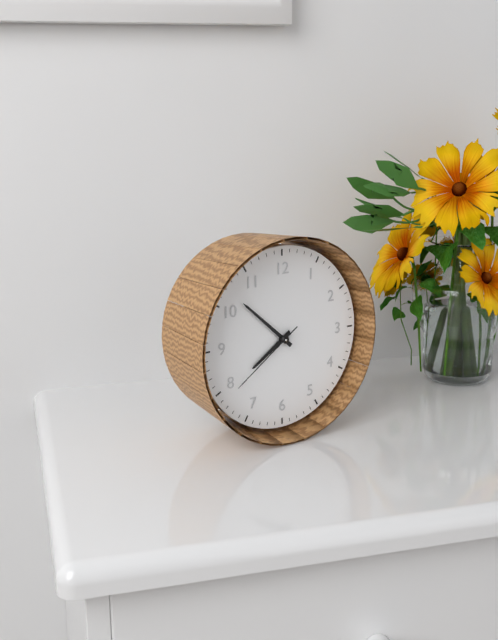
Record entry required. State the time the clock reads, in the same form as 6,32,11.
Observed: 7,52,39
